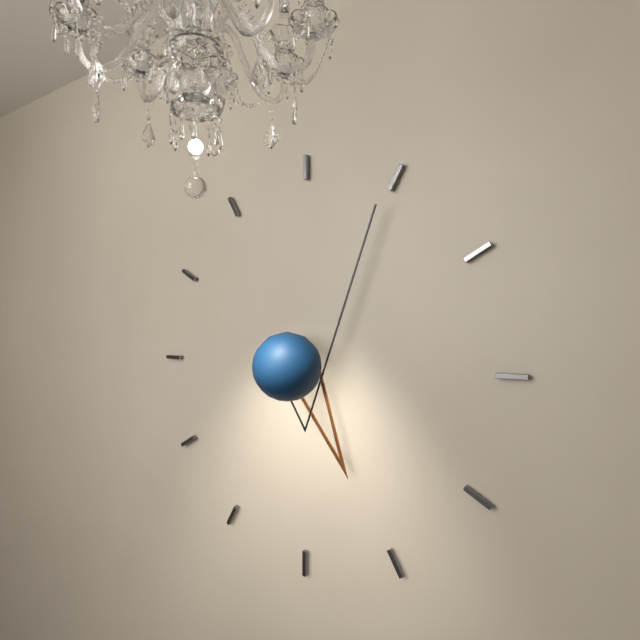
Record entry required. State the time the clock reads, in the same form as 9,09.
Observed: 5,05
